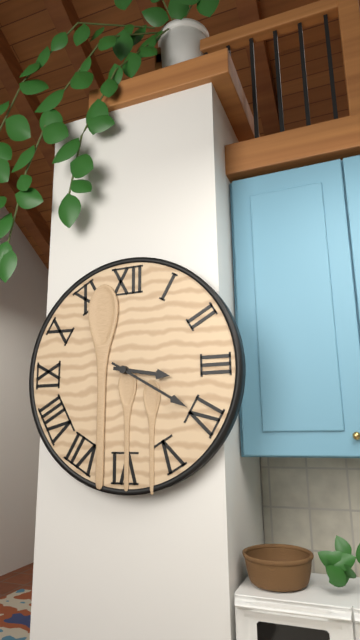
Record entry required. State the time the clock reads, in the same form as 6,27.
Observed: 3,20
